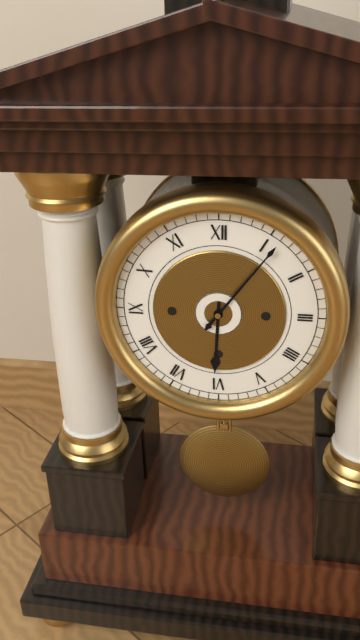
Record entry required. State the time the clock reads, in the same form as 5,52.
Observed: 6,06
